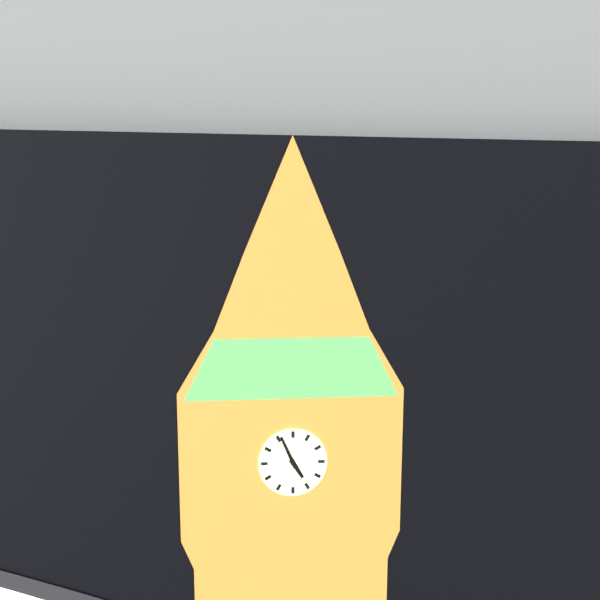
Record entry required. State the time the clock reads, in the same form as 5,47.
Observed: 4,56
